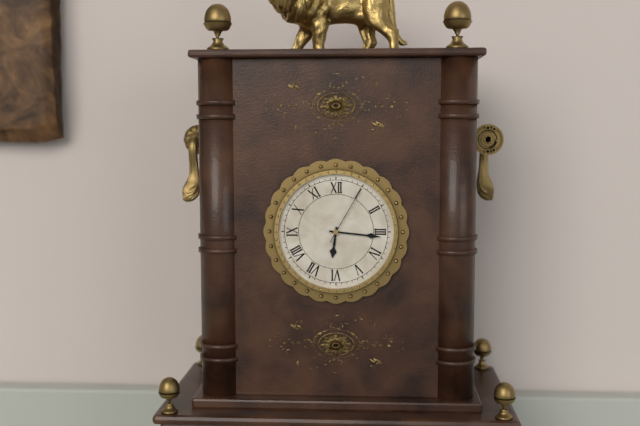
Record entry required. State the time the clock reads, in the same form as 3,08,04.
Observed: 6,16,05
